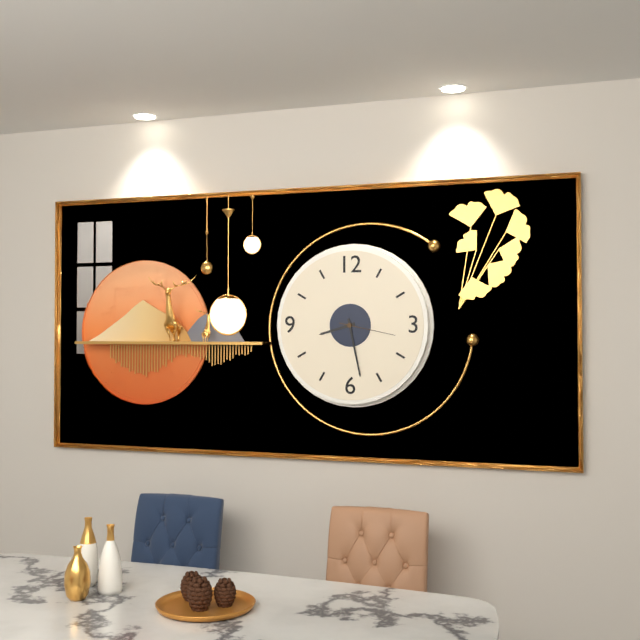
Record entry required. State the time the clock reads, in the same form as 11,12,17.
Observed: 8,28,17
